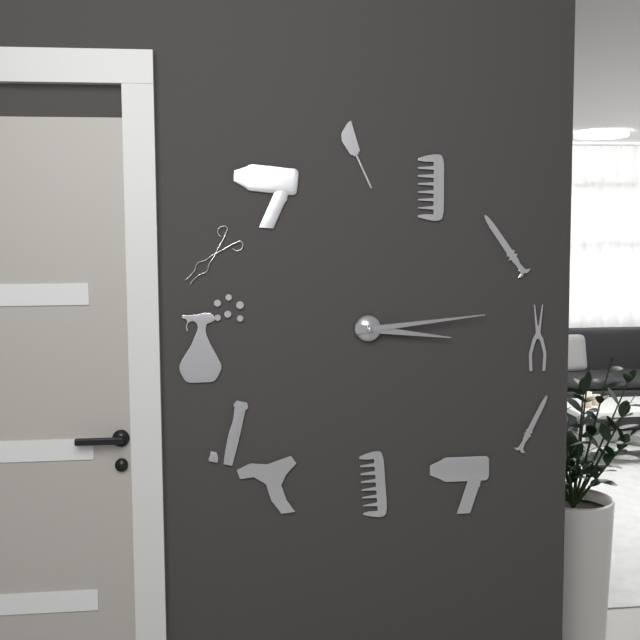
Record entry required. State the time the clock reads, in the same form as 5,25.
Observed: 3,14
